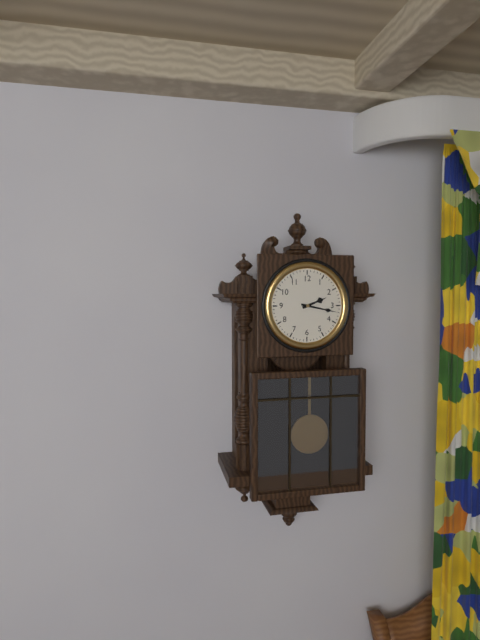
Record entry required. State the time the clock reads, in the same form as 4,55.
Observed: 2,17
